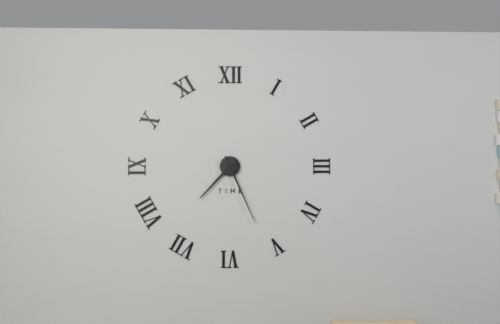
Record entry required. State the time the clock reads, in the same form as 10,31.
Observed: 7,26
